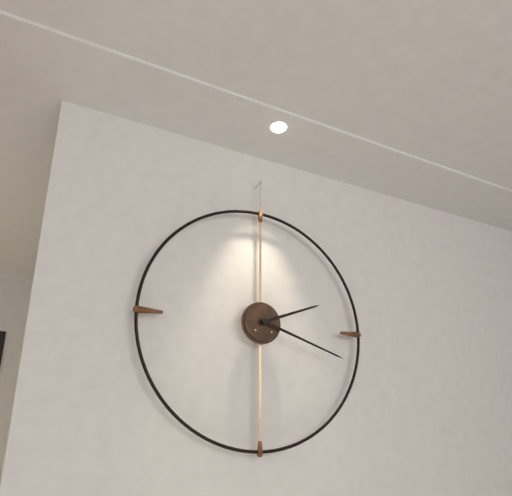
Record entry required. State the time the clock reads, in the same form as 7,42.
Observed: 2,18
